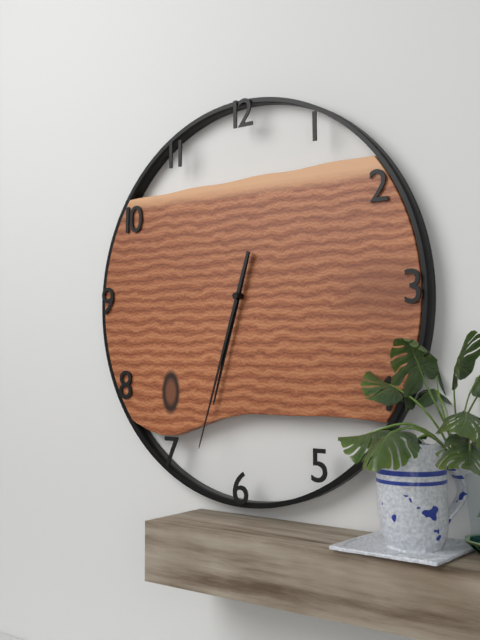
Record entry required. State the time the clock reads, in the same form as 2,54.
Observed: 6,33
